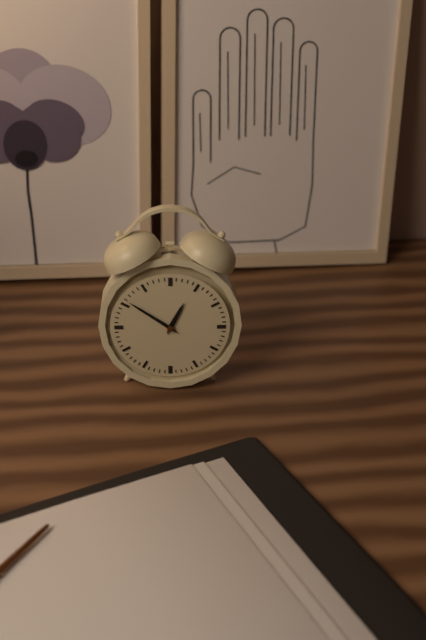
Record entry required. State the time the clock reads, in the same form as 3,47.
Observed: 12,51
